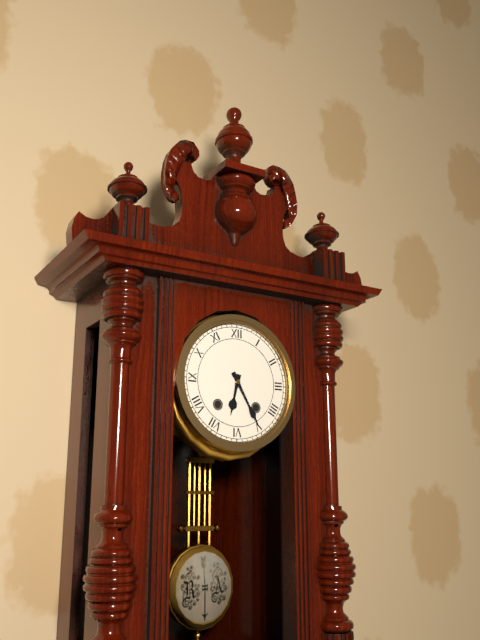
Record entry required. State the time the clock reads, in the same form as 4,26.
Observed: 6,25
